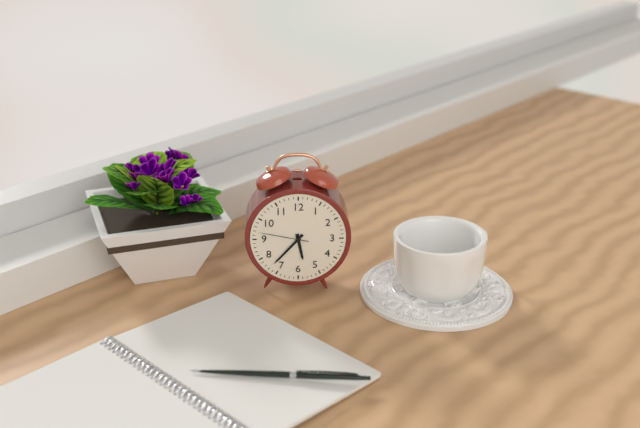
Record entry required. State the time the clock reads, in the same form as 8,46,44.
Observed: 5,37,47
